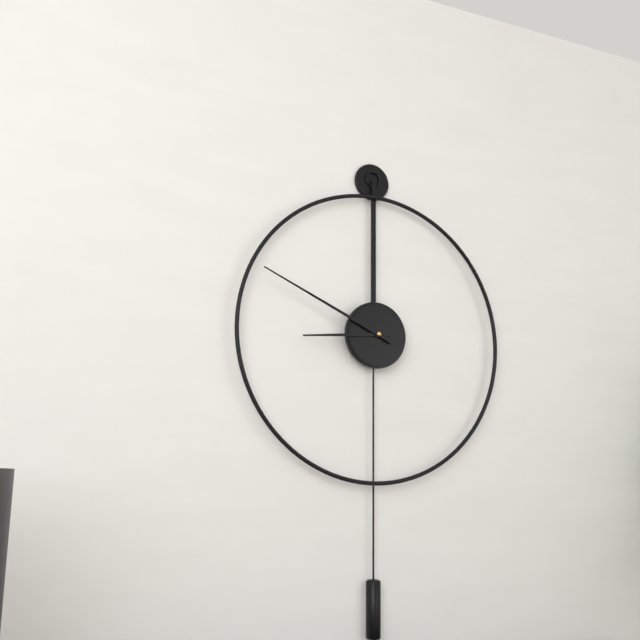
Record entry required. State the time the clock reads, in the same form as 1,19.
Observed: 8,49
